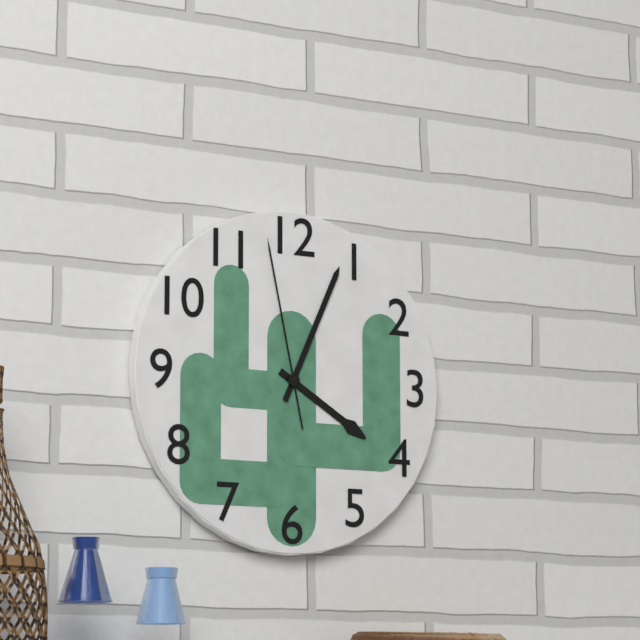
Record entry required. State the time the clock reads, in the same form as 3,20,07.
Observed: 4,04,58
